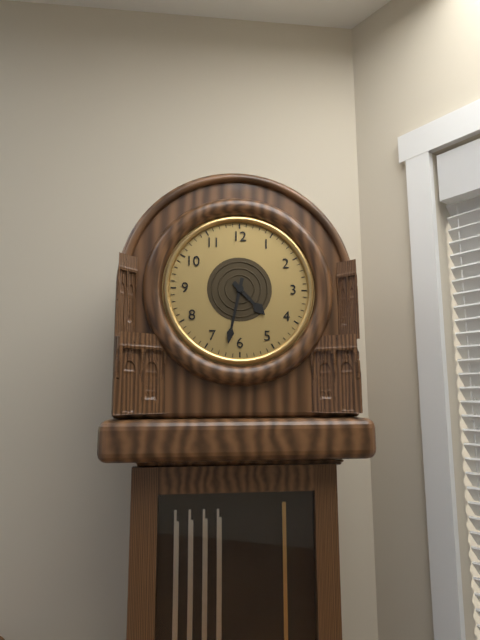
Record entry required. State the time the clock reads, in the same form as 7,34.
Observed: 4,32
